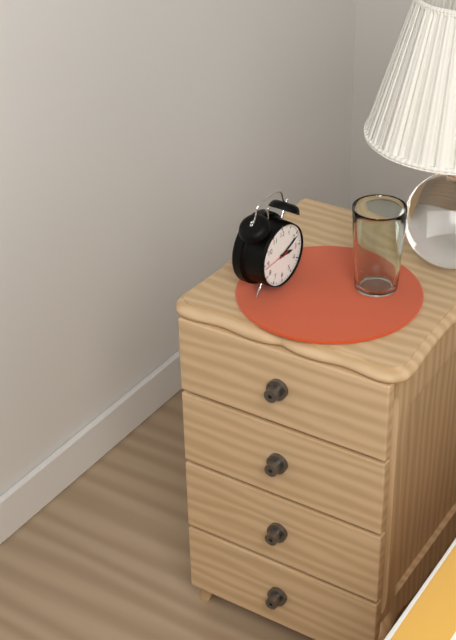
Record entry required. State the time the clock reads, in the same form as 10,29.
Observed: 3,11
